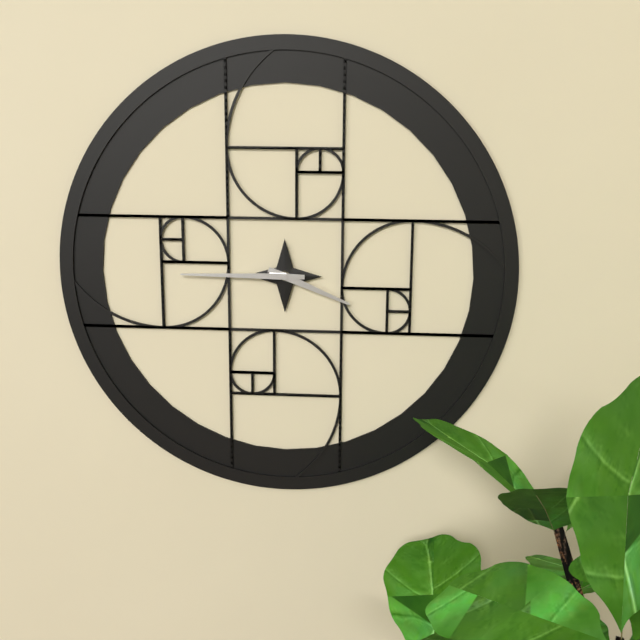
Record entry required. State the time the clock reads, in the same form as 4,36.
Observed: 3,45
